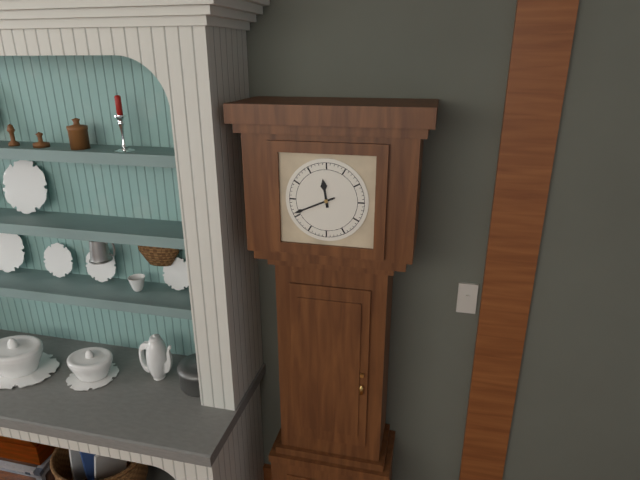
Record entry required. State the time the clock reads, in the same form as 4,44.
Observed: 11,41
